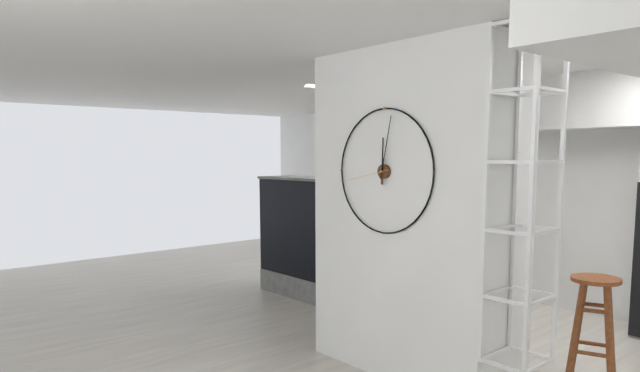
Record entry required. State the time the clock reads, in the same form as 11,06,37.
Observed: 12,02,43
